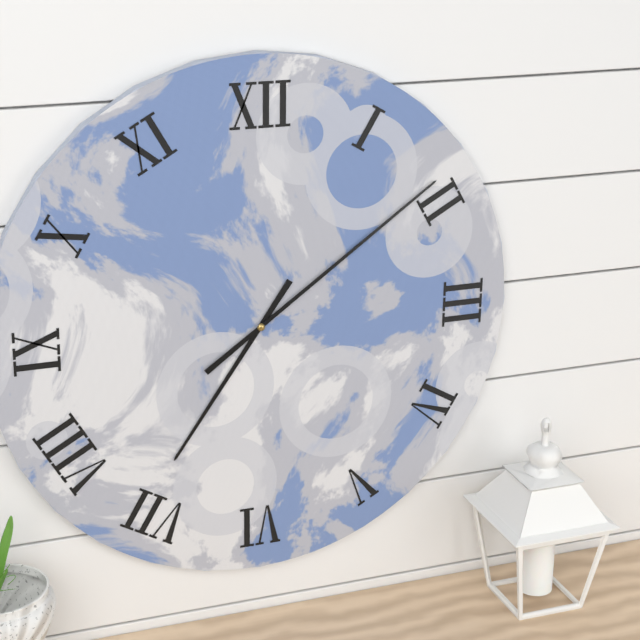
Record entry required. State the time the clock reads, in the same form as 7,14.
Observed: 7,09
